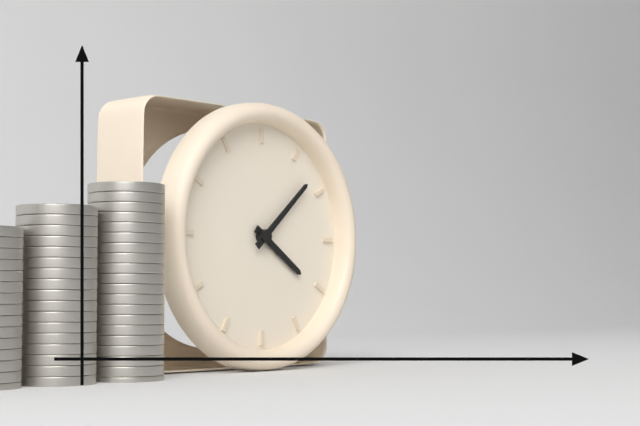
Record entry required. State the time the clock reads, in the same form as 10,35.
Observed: 4,08
